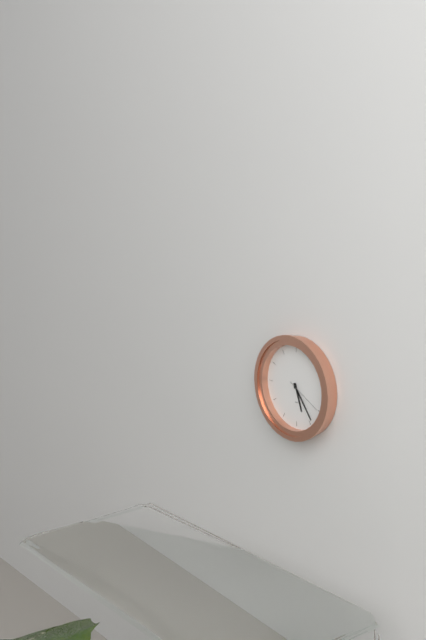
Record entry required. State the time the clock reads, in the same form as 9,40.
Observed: 5,24
